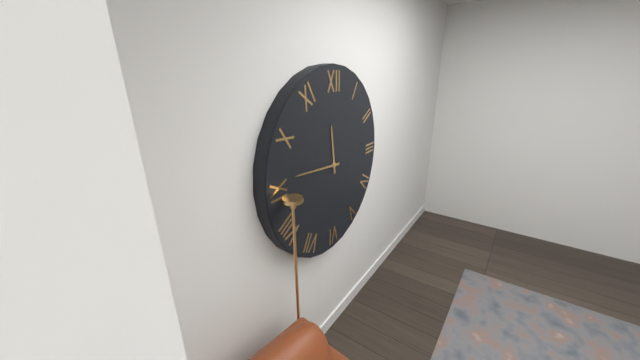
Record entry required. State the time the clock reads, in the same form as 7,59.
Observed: 11,46
